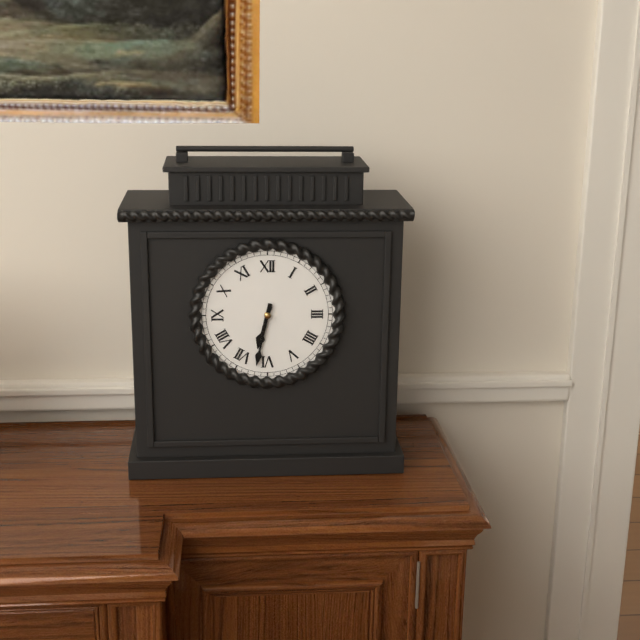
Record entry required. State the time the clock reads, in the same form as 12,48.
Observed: 6,32
